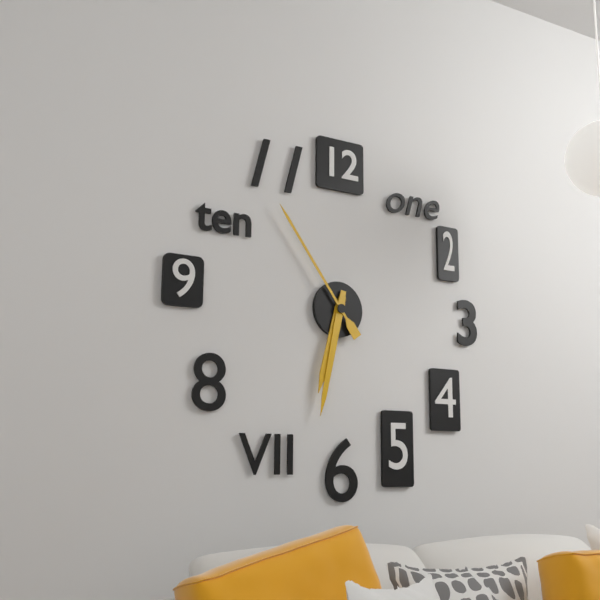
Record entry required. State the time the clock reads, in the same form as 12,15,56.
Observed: 6,32,54
